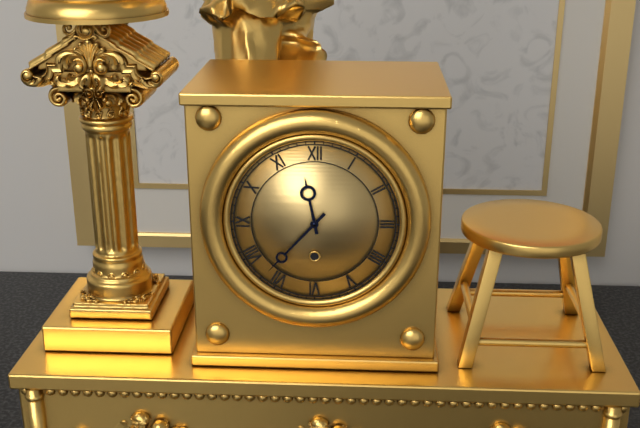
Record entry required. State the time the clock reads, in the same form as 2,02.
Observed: 11,37
